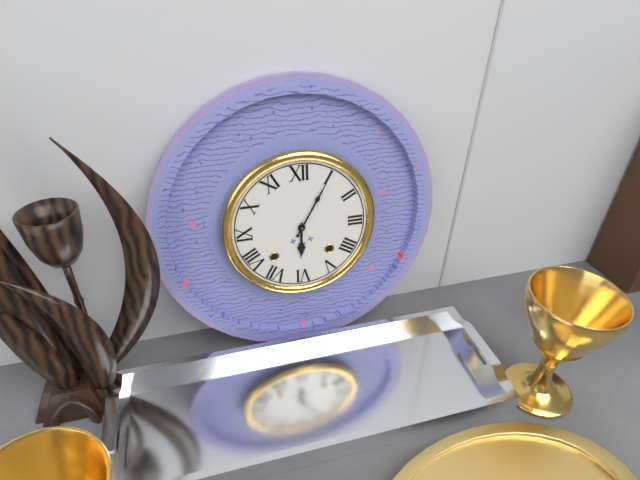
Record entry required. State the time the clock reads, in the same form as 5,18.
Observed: 6,05
